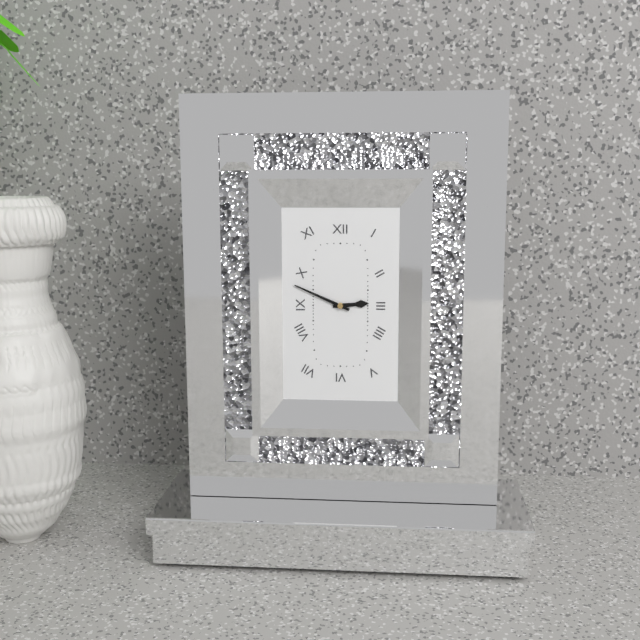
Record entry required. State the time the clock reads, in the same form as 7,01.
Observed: 2,49
